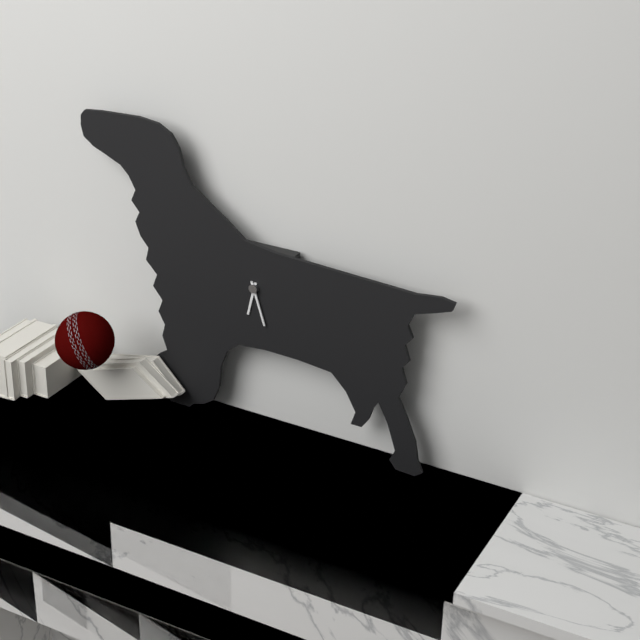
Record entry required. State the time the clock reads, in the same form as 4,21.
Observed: 6,27
